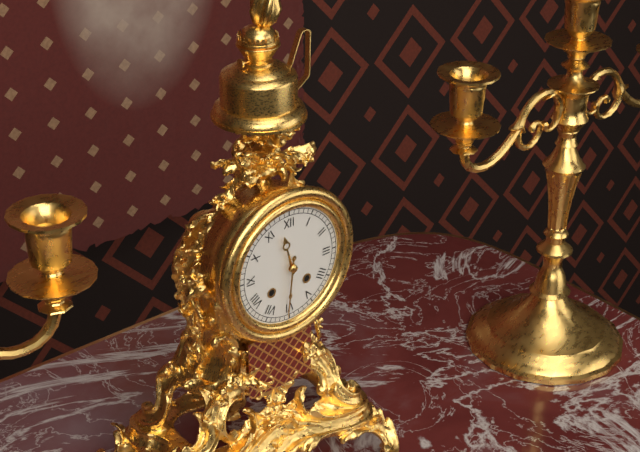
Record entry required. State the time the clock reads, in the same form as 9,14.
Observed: 11,31
